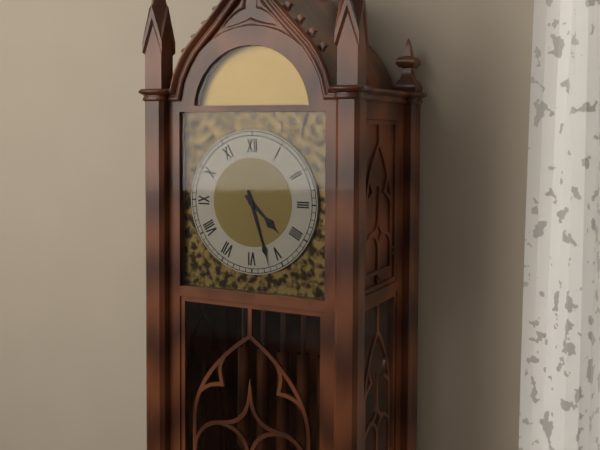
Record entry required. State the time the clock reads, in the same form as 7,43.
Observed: 4,27
